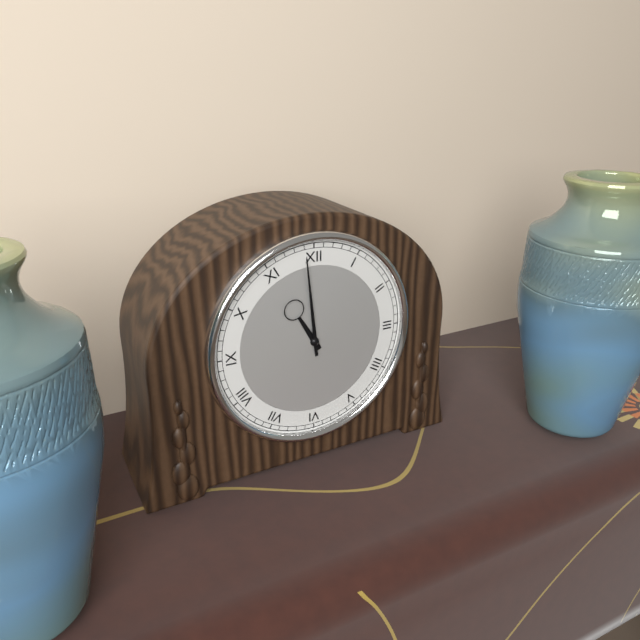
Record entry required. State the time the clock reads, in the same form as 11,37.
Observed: 10,59
